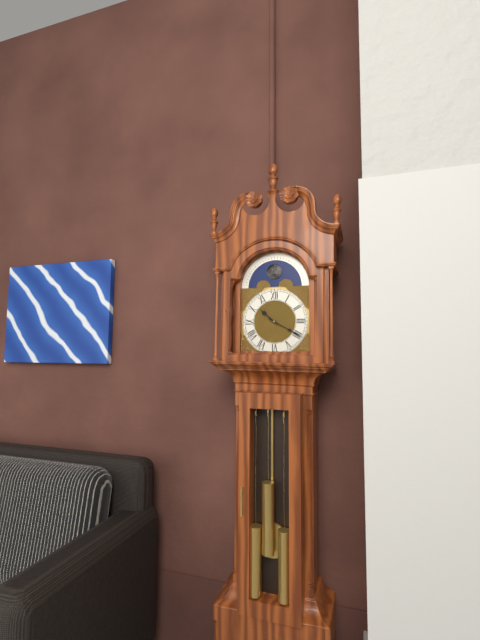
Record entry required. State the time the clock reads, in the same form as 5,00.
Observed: 10,20
